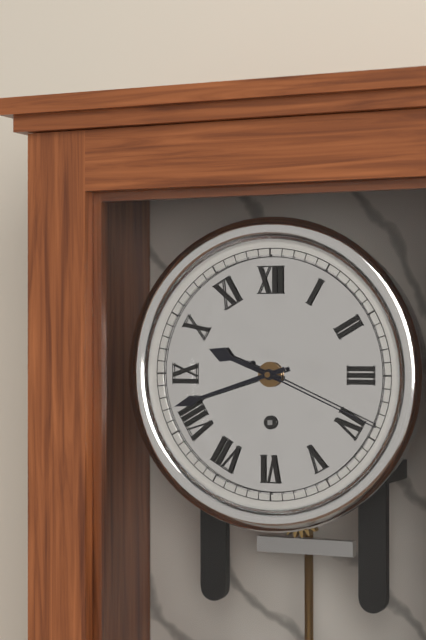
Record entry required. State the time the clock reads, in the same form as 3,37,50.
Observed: 9,42,19
